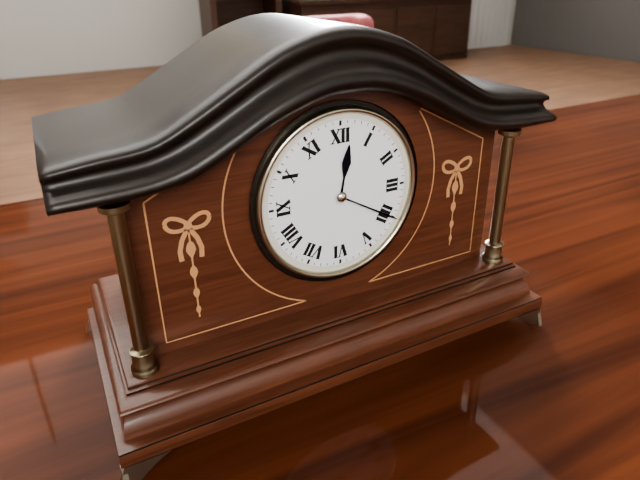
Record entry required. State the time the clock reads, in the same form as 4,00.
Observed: 12,20
